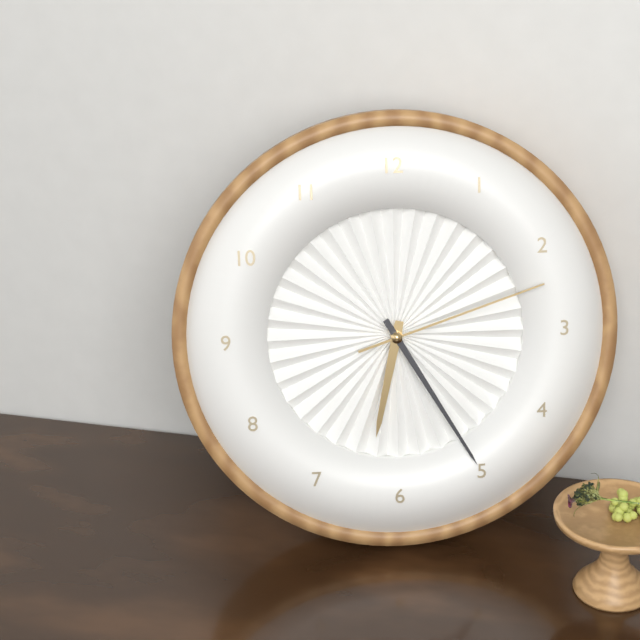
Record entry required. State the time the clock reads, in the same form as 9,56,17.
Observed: 6,25,12
